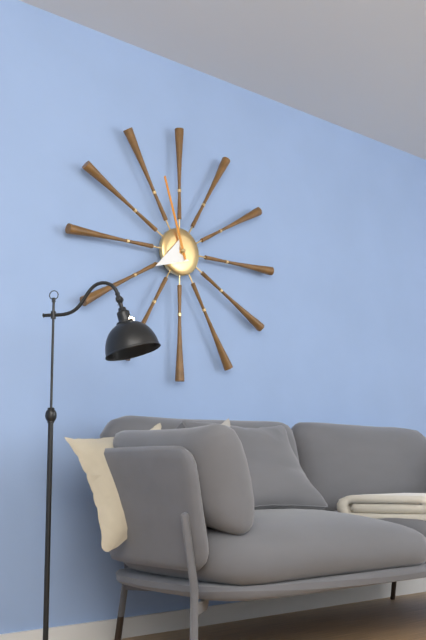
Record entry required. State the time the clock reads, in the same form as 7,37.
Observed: 7,57
